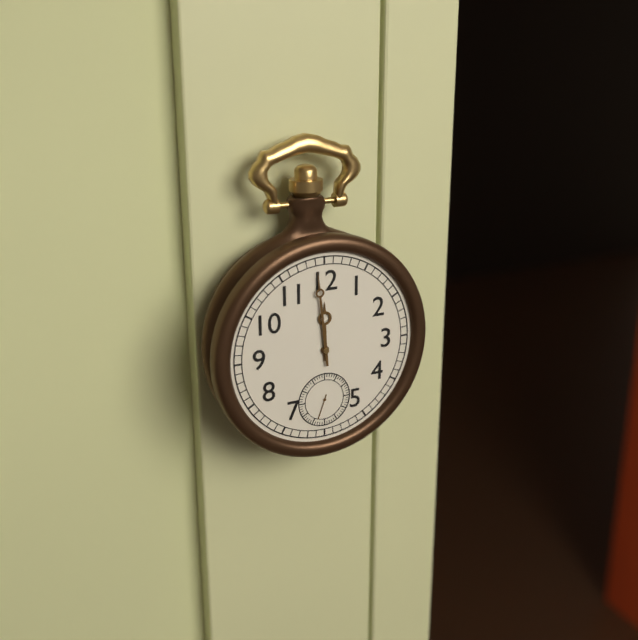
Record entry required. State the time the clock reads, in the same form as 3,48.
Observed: 11,59
